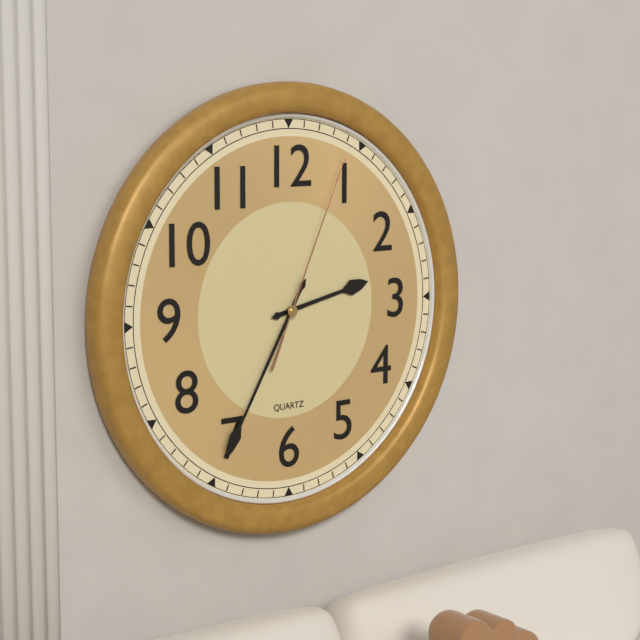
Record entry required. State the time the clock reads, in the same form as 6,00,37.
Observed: 2,35,04
